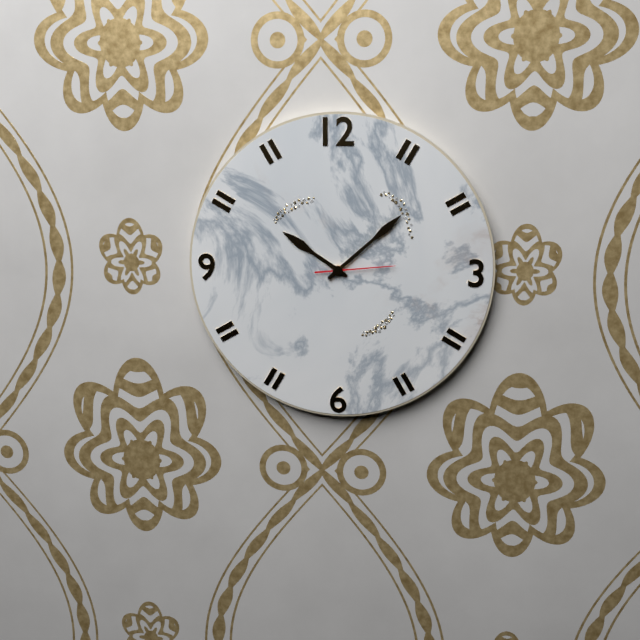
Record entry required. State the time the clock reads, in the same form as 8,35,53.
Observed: 10,08,14
